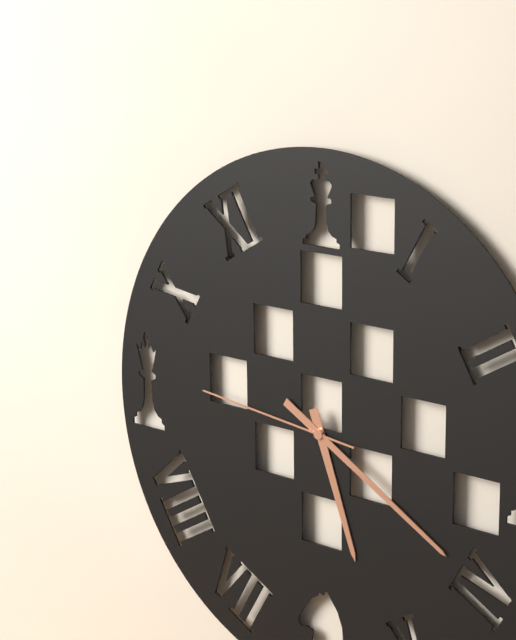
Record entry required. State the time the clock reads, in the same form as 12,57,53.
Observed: 5,20,46
